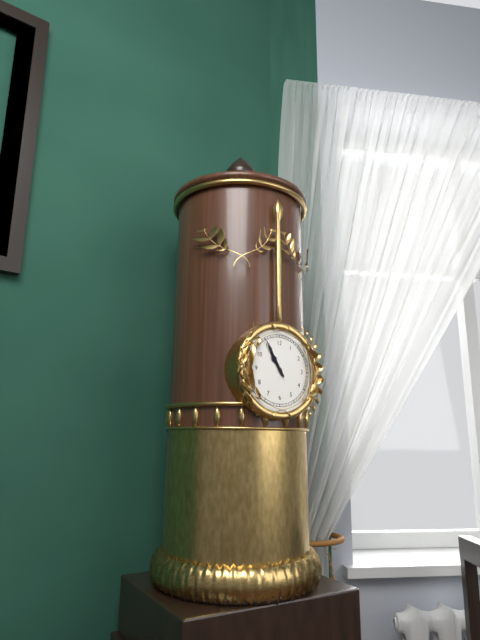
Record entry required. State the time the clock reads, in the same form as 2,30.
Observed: 10,55
